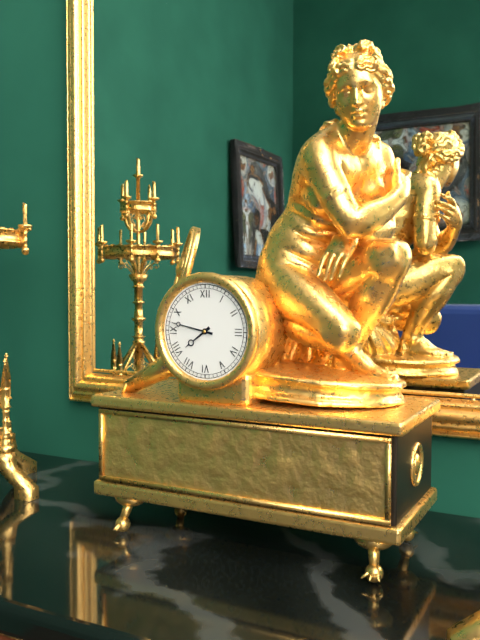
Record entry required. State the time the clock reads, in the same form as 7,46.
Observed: 7,47
